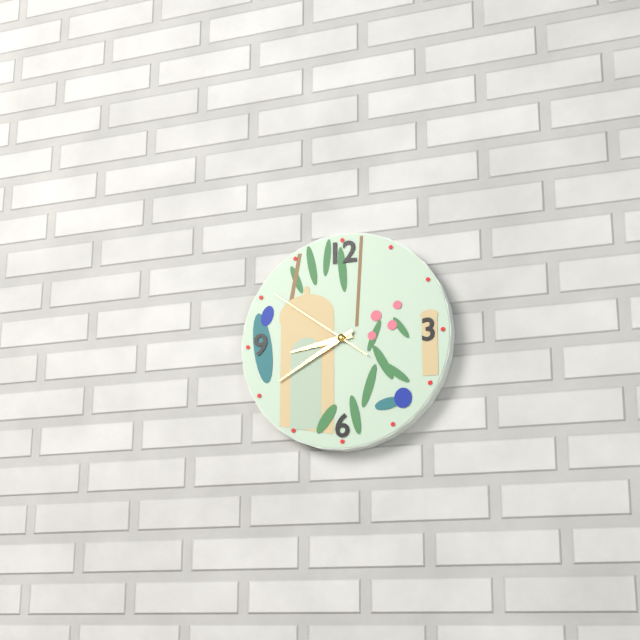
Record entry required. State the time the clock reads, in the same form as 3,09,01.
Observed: 8,40,51
